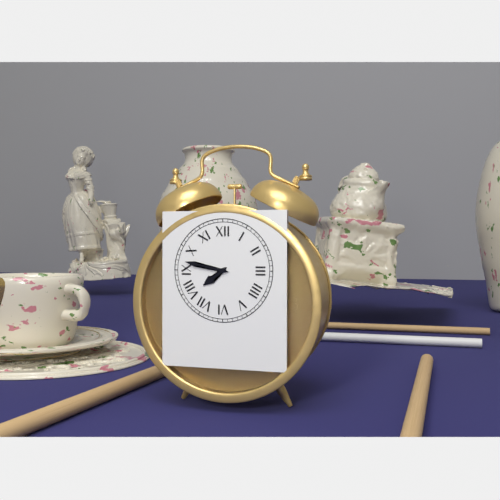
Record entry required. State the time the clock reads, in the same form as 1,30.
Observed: 7,47
